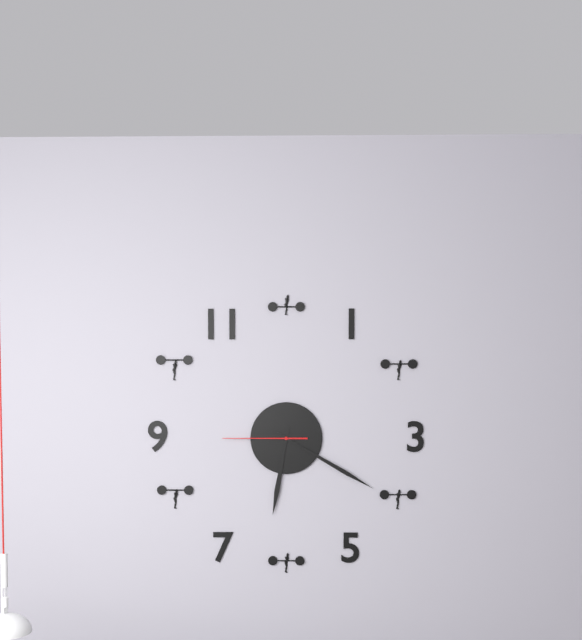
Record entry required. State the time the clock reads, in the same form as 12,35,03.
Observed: 6,20,45
